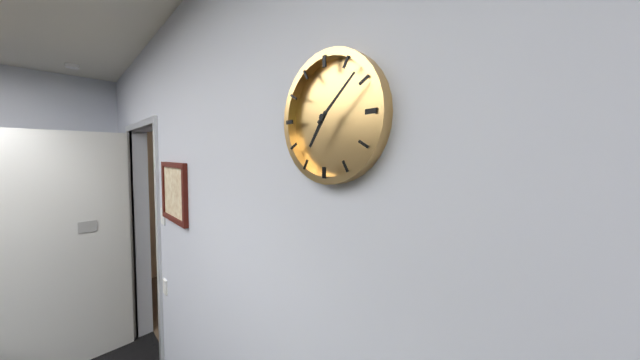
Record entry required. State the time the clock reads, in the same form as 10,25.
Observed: 7,08
